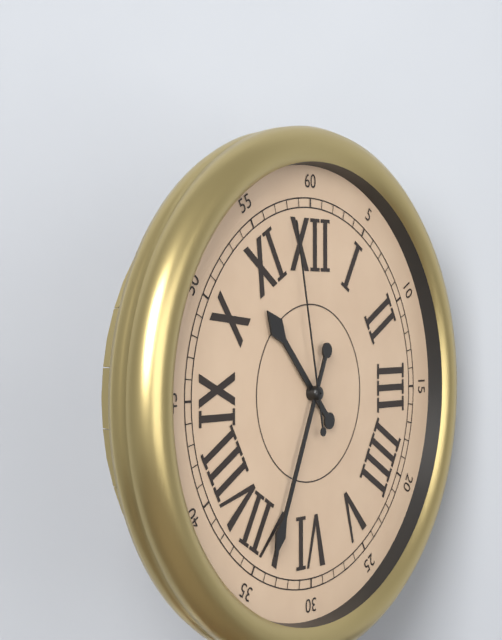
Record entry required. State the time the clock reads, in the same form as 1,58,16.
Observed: 10,34,58
